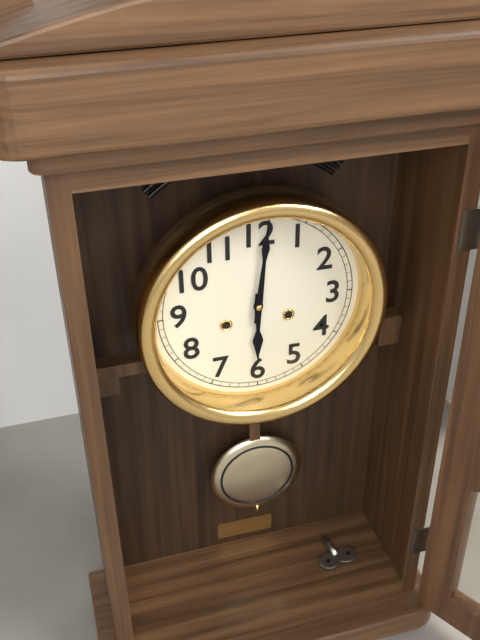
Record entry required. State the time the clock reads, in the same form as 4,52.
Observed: 6,01
